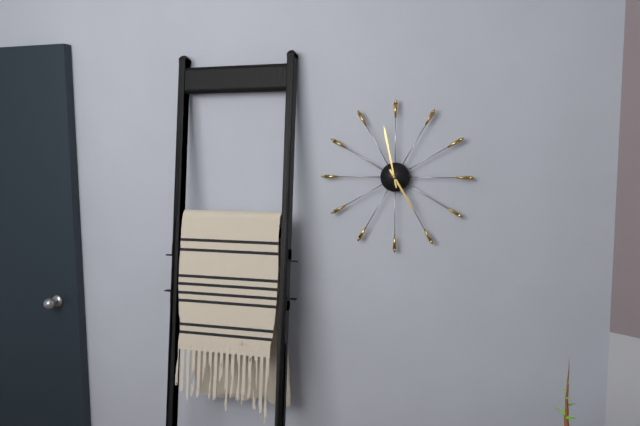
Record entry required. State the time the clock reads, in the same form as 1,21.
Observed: 4,58
